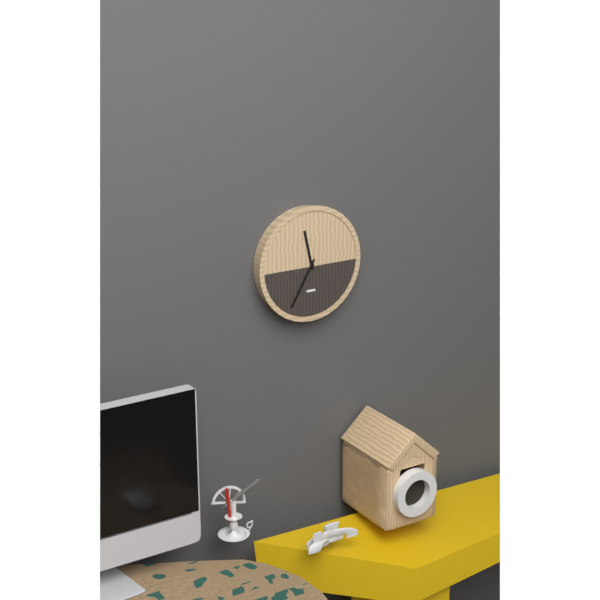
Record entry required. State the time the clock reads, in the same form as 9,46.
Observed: 11,35
